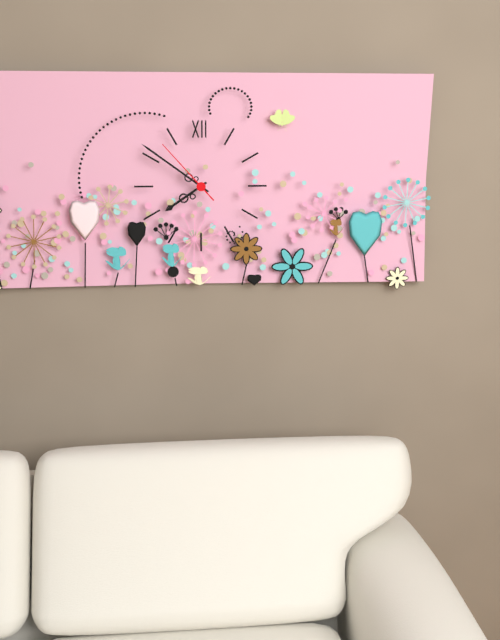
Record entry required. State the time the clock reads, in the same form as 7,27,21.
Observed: 7,51,53
